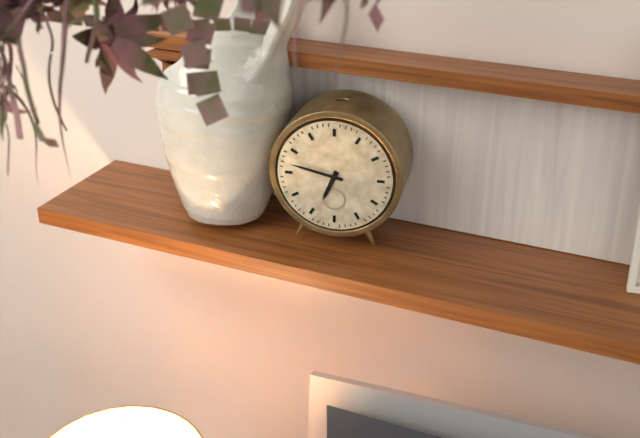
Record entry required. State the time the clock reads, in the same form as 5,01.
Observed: 6,47
